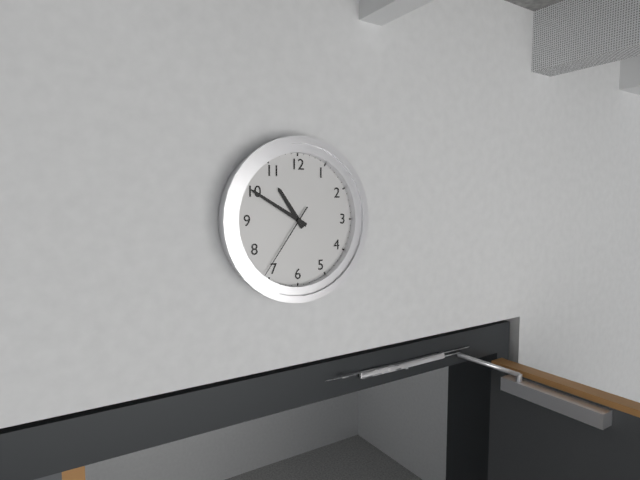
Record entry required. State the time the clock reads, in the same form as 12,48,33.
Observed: 10,50,36
